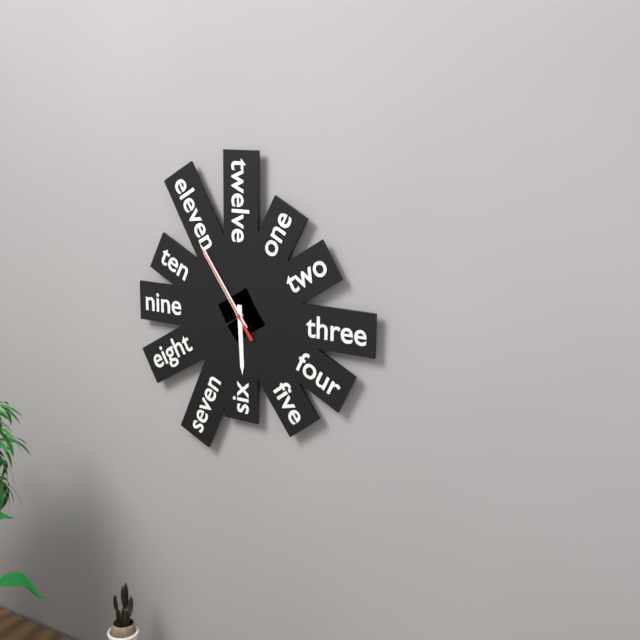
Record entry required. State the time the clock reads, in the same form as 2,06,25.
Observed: 5,54,54
